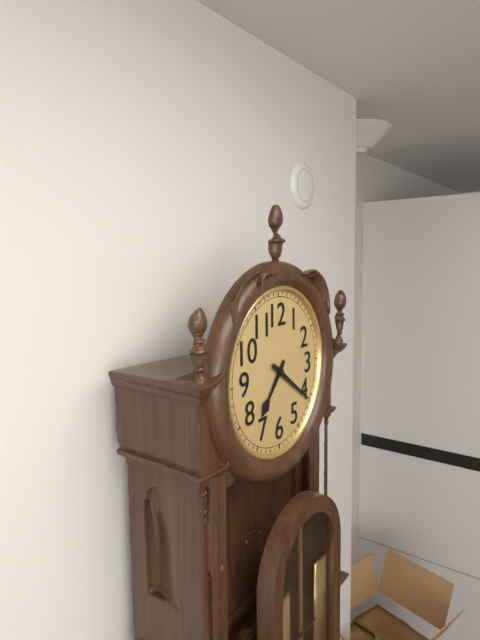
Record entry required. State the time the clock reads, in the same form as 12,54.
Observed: 7,21
